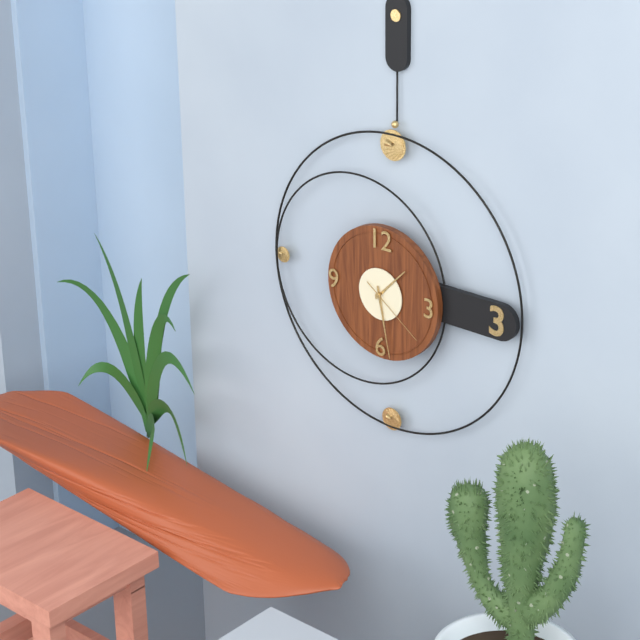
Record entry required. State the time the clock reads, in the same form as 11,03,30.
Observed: 1,28,21
